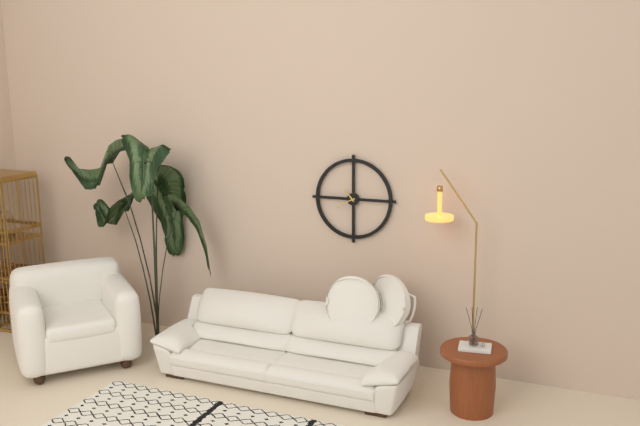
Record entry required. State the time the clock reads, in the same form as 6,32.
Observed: 10,41
